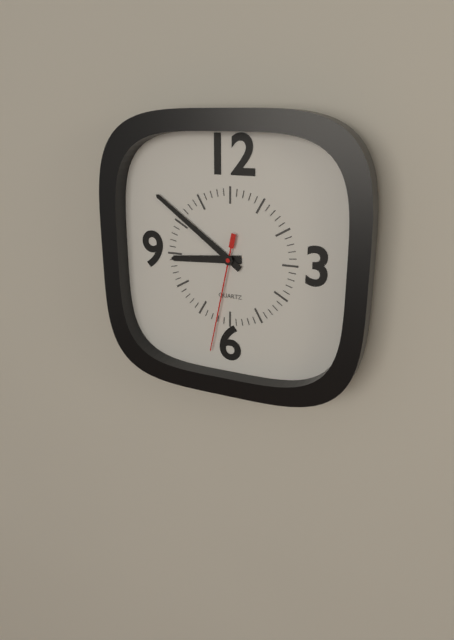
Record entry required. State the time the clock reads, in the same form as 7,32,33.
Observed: 8,51,32
